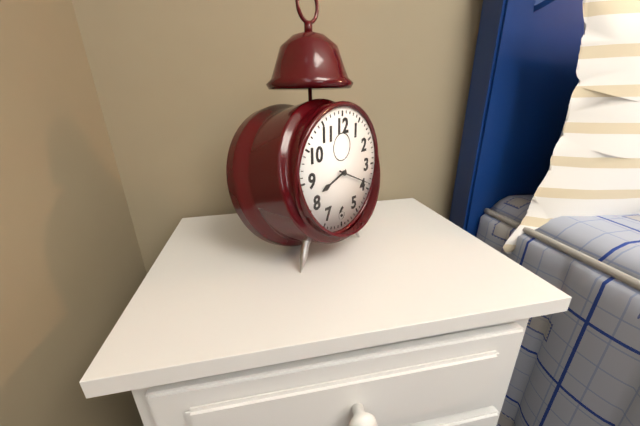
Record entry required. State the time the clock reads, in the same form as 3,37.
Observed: 8,19
